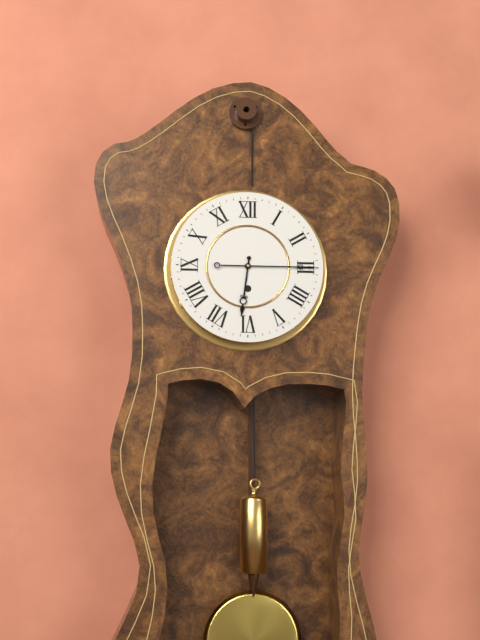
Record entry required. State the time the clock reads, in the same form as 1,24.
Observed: 6,15
